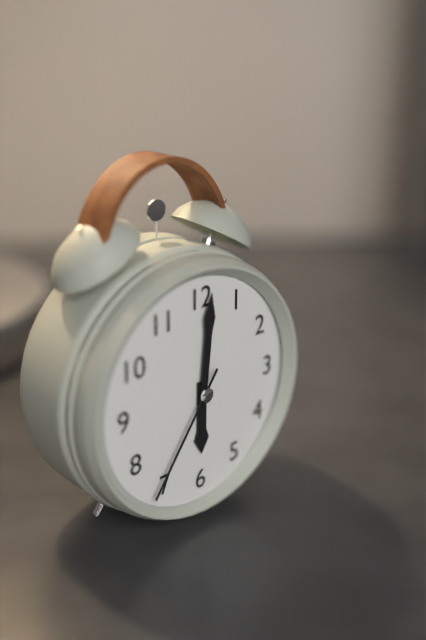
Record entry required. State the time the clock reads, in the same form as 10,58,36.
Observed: 6,01,36
